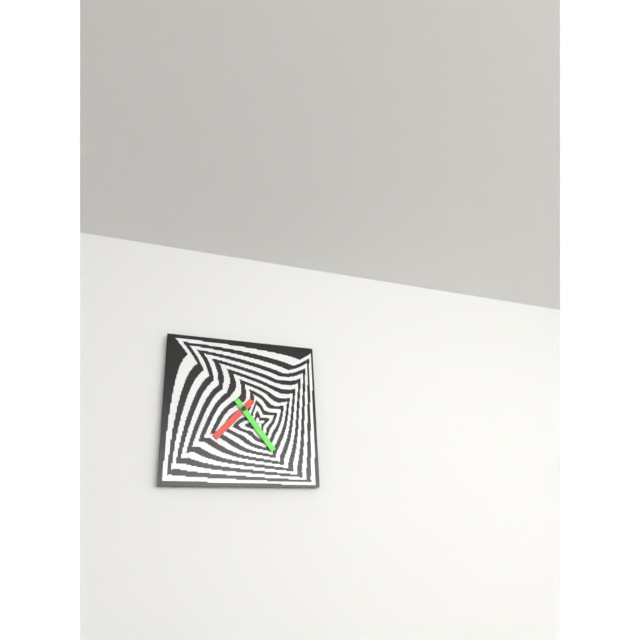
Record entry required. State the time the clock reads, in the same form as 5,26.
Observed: 7,24
